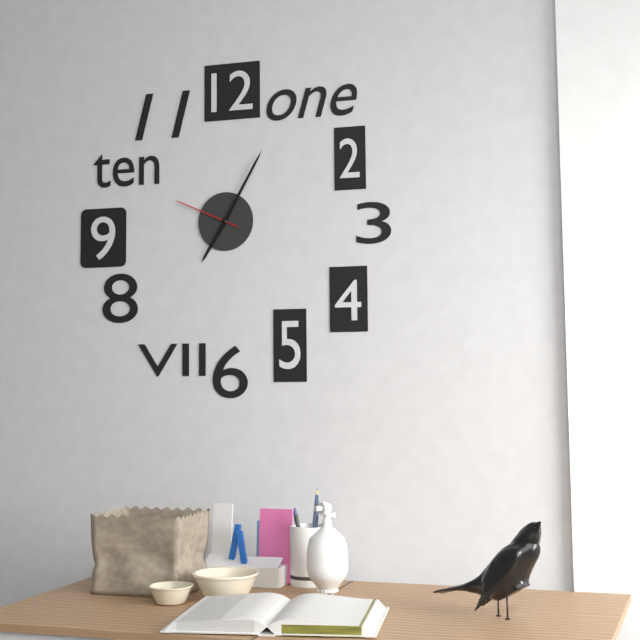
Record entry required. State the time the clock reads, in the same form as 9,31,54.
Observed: 7,05,49
